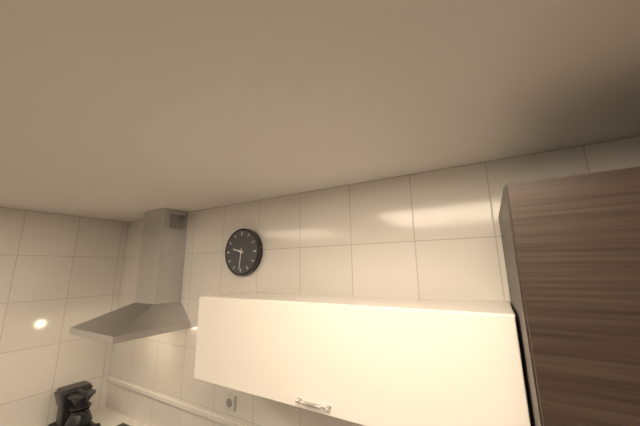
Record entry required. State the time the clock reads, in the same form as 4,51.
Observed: 9,31
